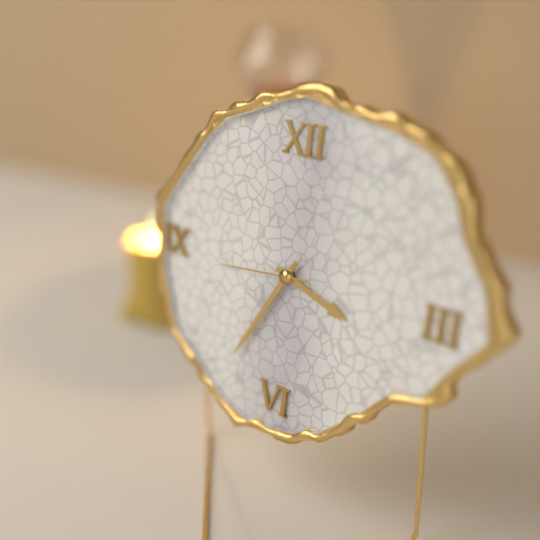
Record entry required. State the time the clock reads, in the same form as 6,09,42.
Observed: 3,35,44
